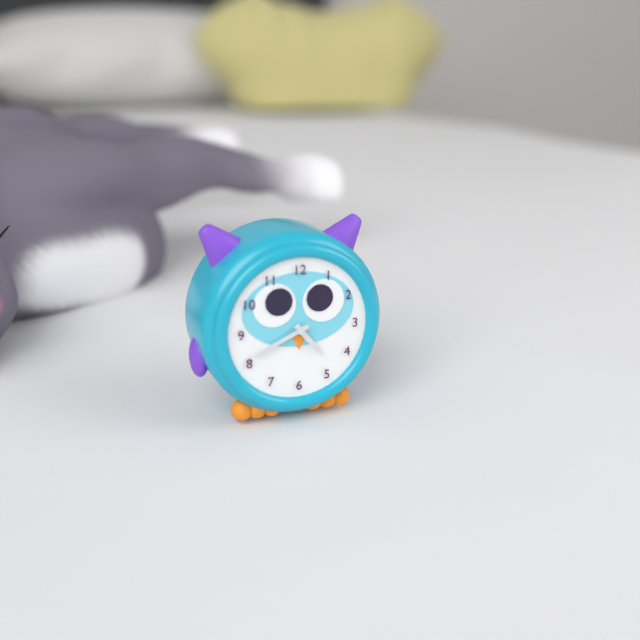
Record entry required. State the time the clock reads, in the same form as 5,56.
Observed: 4,41
